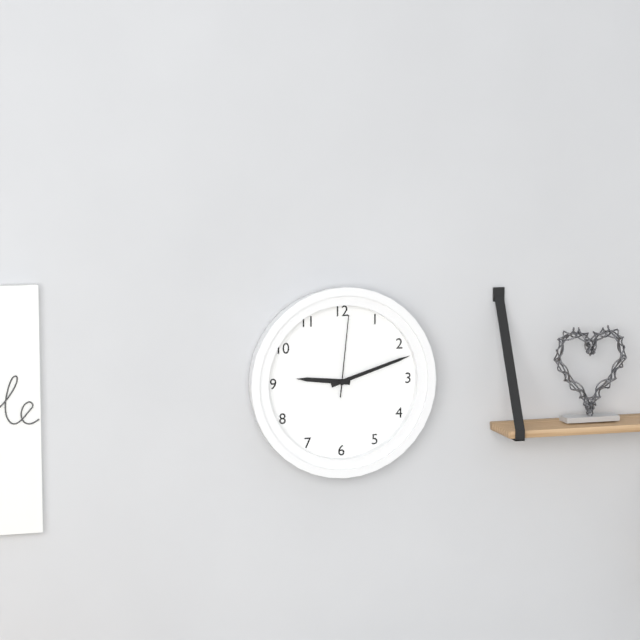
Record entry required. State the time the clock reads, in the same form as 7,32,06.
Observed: 9,12,01
